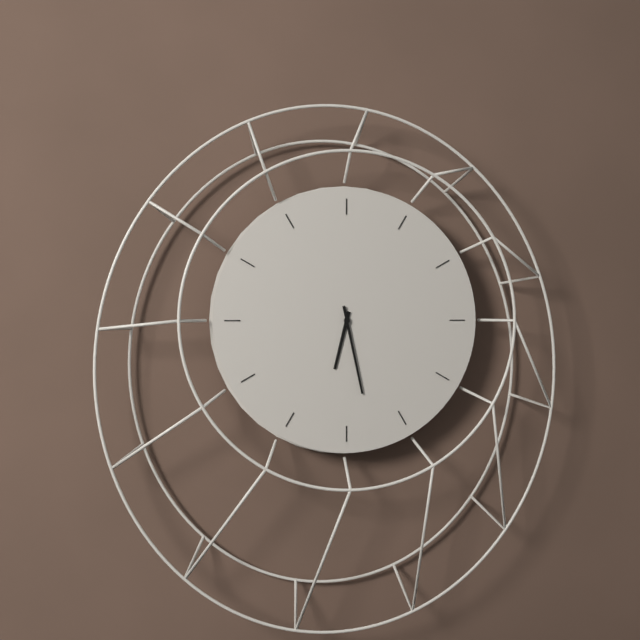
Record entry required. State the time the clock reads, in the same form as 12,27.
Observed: 6,28
